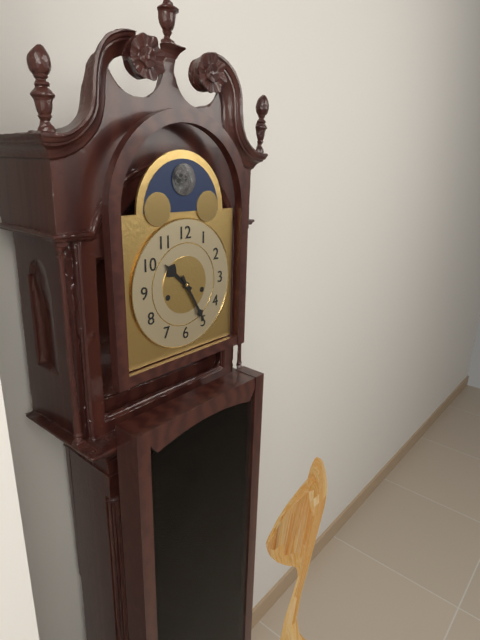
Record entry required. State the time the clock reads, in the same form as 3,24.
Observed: 10,25
